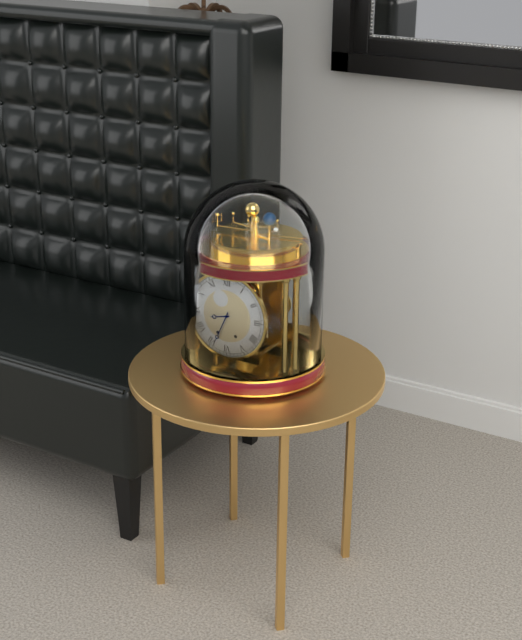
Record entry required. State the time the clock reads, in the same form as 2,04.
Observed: 8,34
